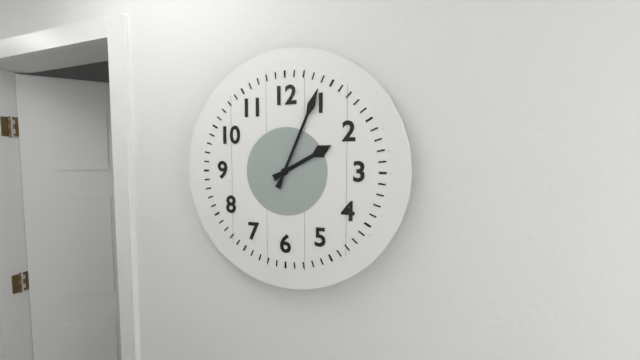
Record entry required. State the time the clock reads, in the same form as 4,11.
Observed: 2,04
